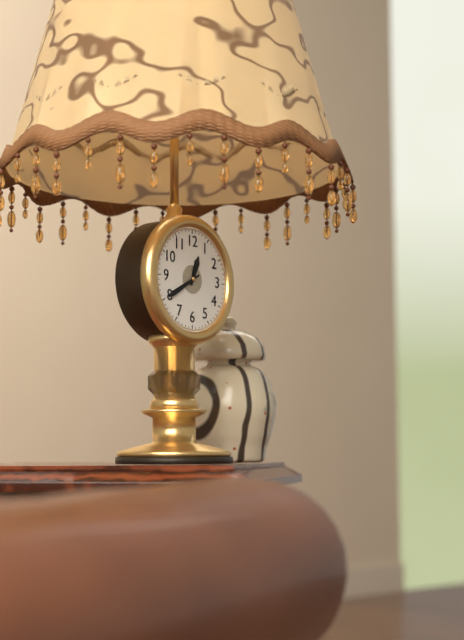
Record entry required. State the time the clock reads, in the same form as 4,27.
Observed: 12,40
